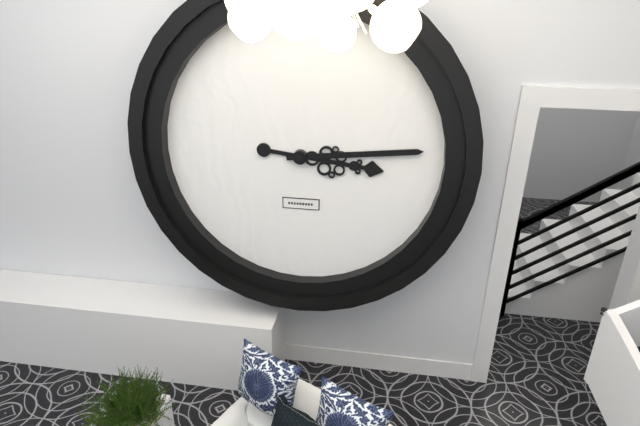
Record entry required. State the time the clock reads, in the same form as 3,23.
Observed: 3,14
